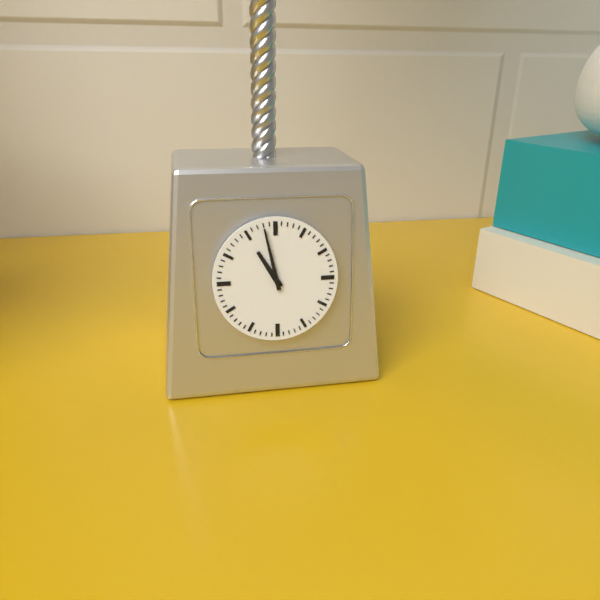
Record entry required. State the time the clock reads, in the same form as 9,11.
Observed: 10,58
